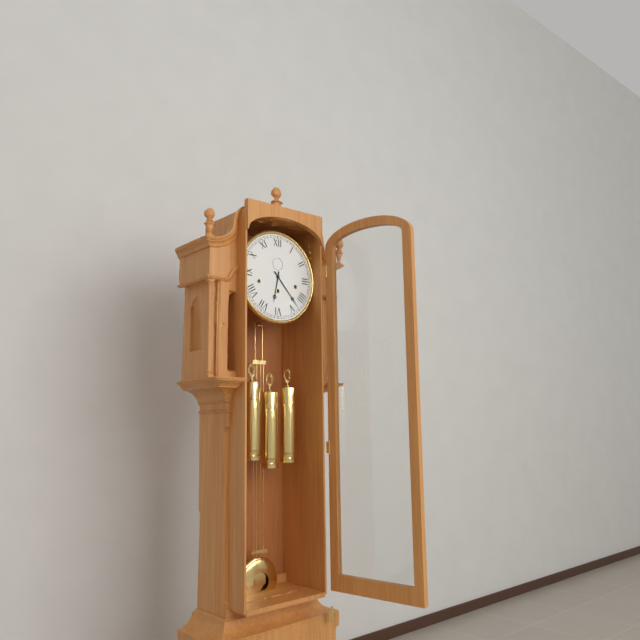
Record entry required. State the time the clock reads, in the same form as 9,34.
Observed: 6,23
